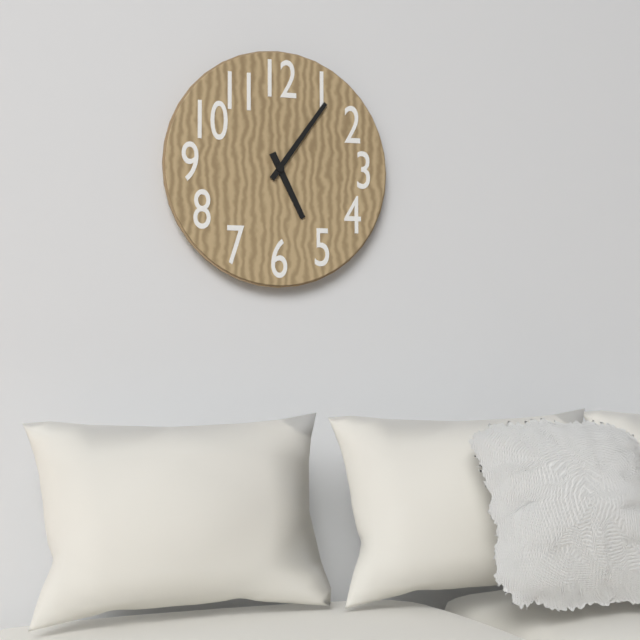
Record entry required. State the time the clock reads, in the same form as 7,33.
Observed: 5,06
